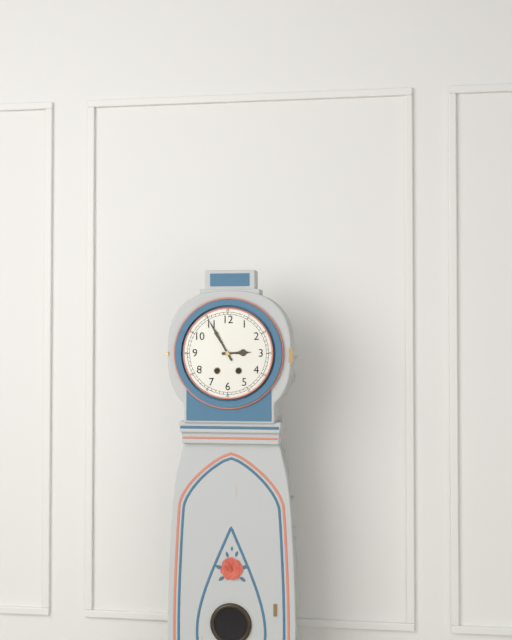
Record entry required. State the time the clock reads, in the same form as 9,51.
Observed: 2,55
